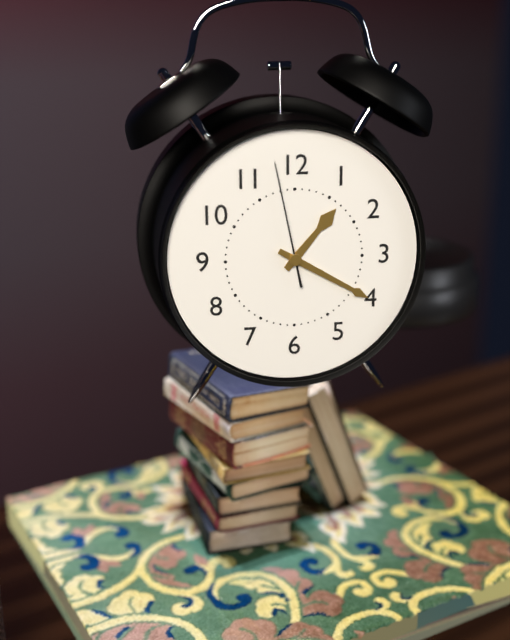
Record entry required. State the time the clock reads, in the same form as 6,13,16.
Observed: 1,20,58
